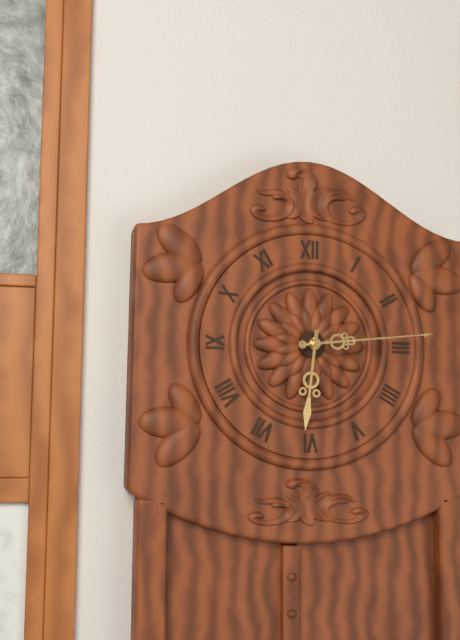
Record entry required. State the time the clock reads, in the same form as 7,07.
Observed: 6,14
